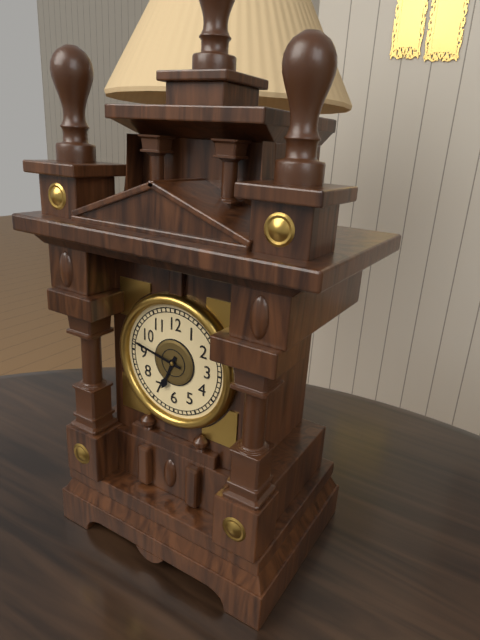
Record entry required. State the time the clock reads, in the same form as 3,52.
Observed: 6,47
